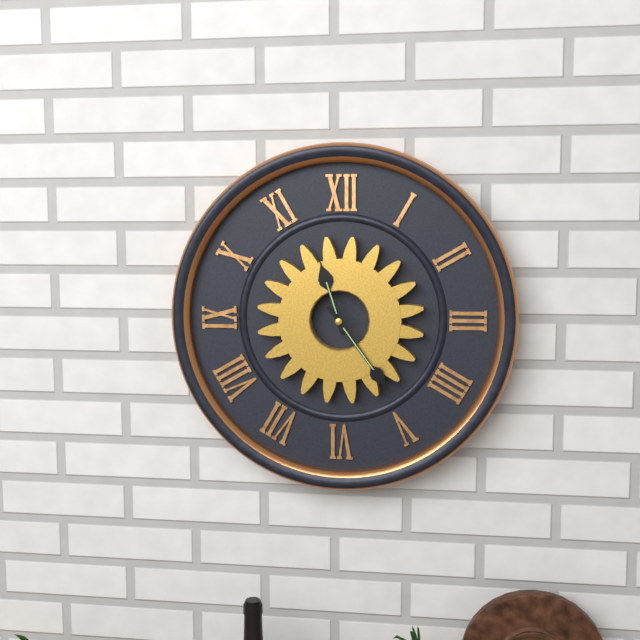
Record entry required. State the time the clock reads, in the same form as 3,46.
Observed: 11,24
